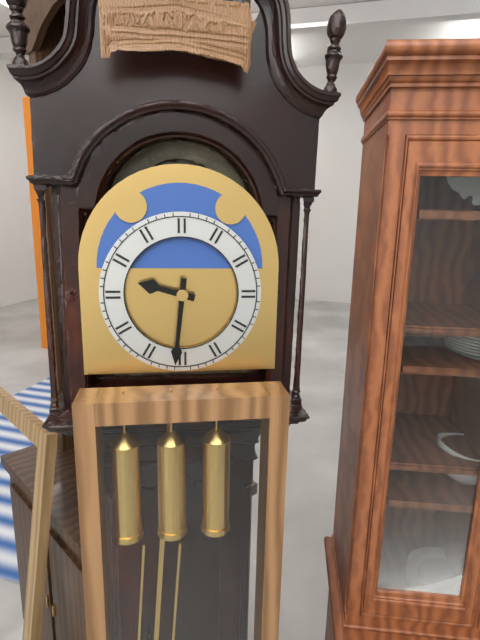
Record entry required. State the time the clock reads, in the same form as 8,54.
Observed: 9,31
